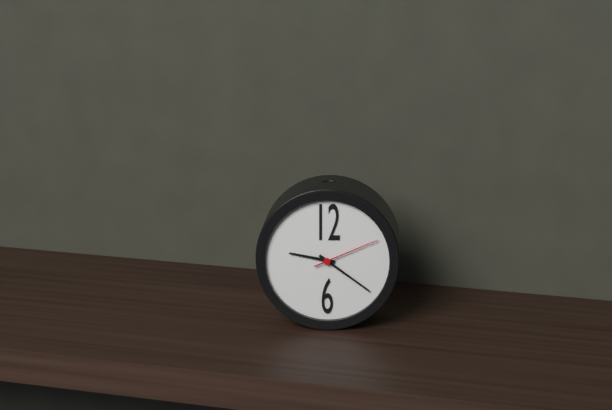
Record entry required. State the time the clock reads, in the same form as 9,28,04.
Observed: 9,21,11
